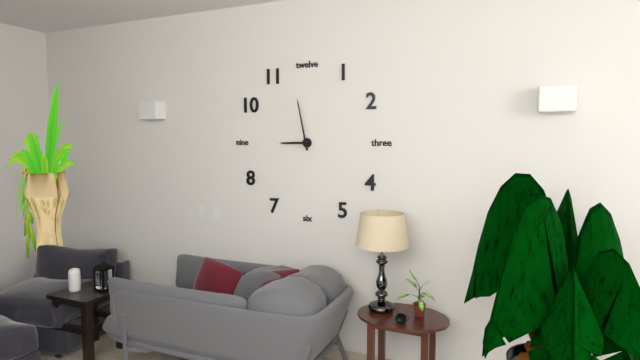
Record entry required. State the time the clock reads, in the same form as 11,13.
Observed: 8,58
